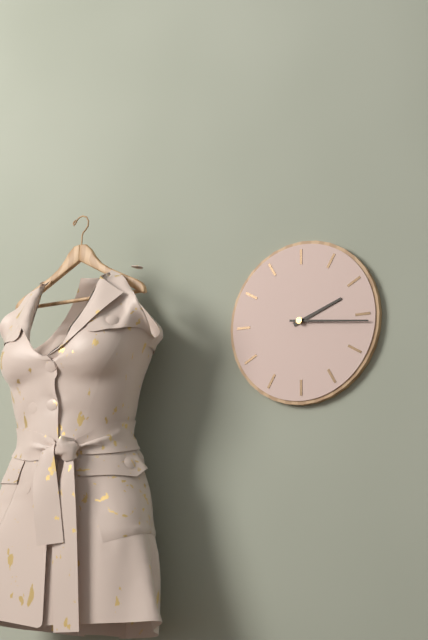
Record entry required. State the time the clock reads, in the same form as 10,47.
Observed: 2,16
